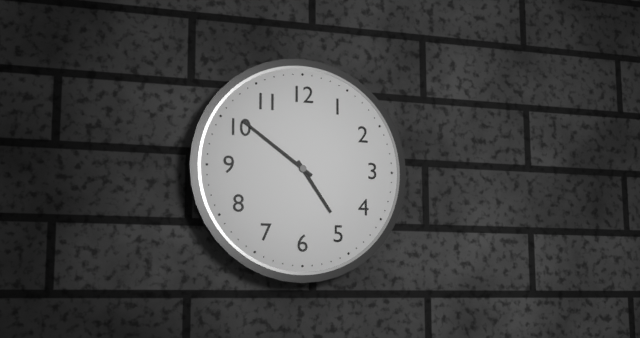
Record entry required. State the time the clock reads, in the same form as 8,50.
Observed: 4,51
